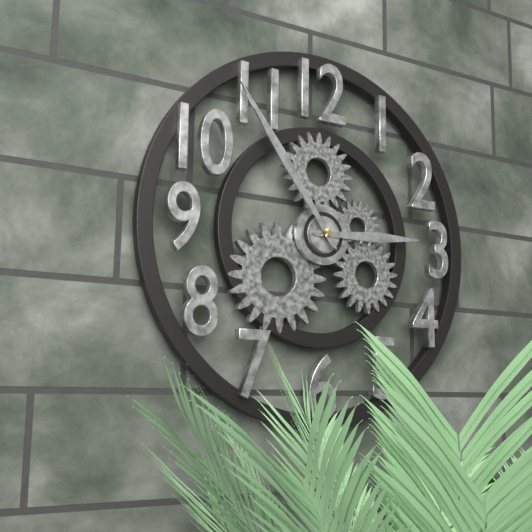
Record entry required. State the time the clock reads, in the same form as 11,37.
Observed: 2,54
